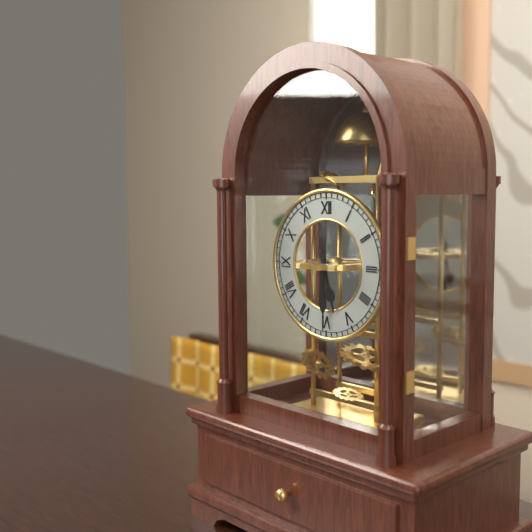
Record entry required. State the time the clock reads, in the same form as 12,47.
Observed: 5,30
